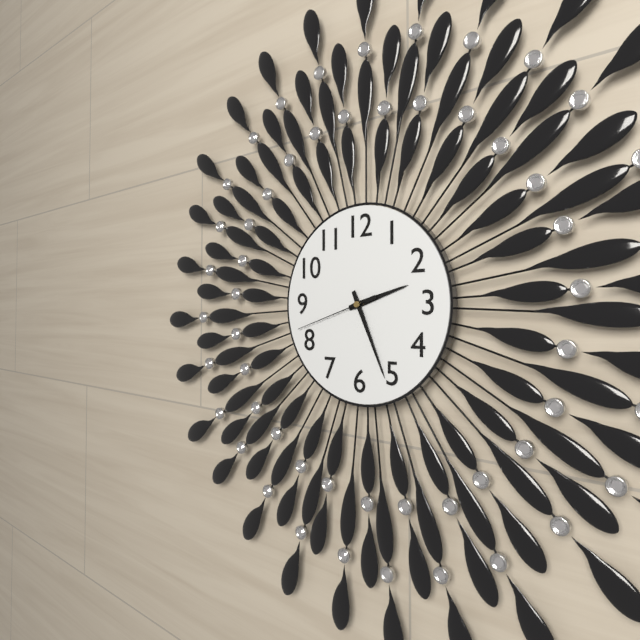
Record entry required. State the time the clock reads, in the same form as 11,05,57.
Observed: 2,26,42
